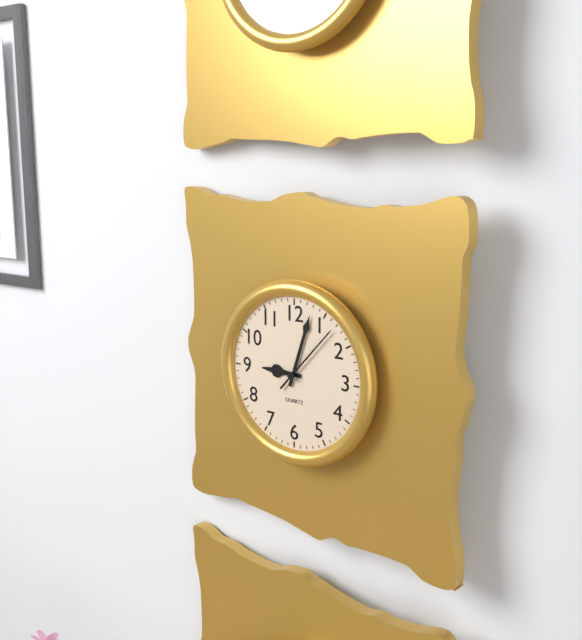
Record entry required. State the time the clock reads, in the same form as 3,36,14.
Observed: 9,03,07
